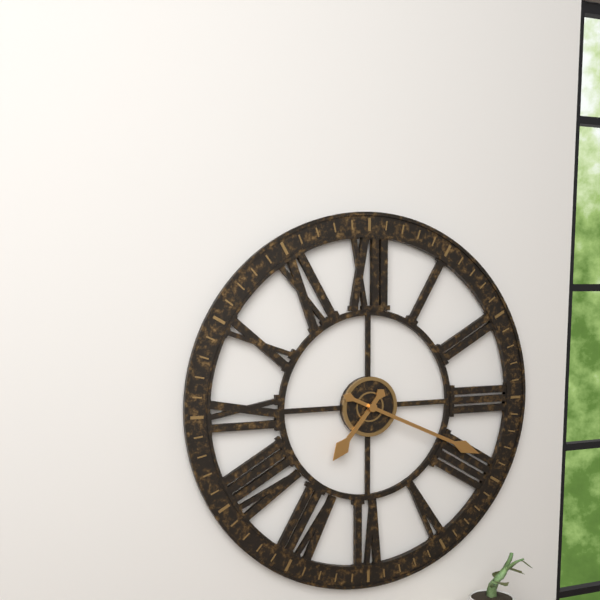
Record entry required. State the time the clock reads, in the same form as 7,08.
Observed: 7,19
